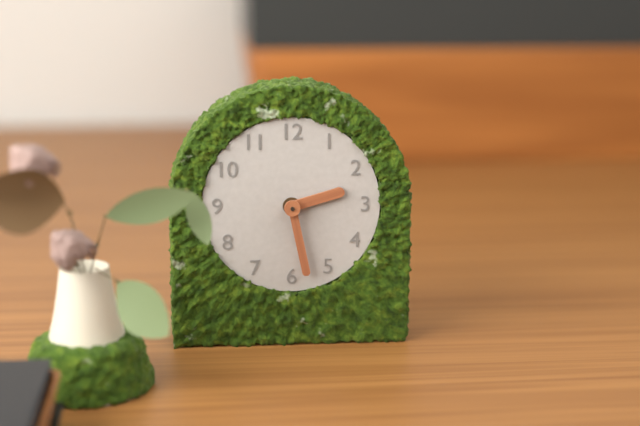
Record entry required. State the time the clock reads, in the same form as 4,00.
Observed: 2,28
